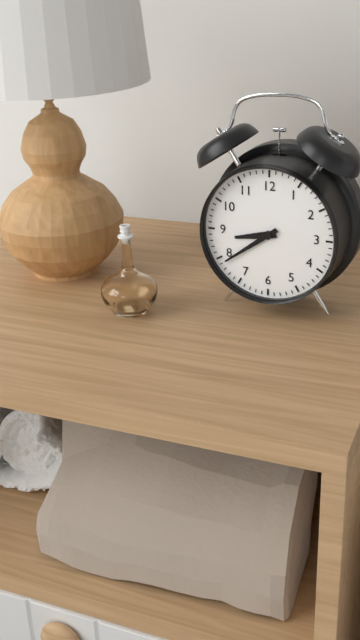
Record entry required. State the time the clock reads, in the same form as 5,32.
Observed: 8,39
